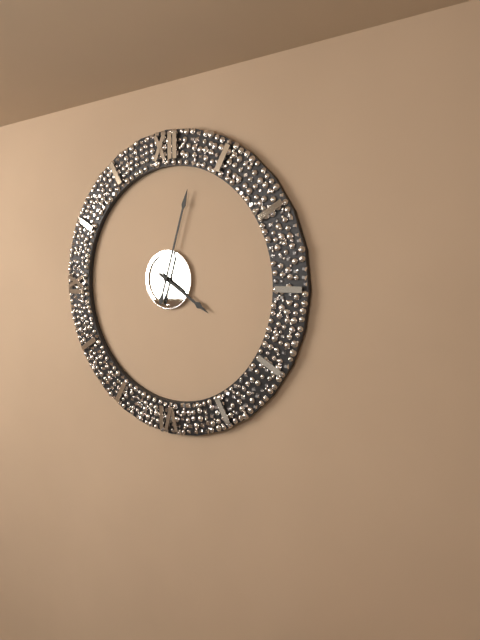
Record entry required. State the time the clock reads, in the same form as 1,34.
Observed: 4,03
